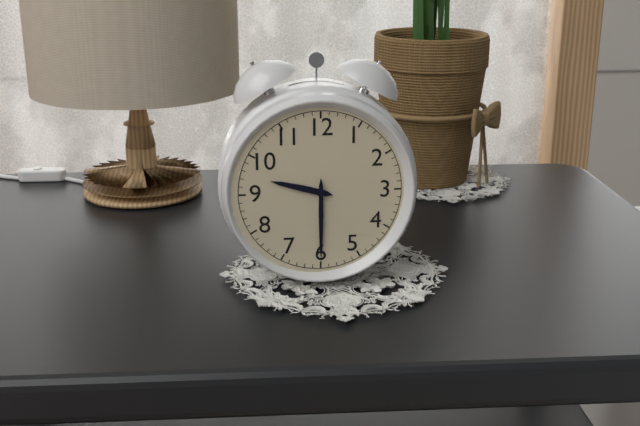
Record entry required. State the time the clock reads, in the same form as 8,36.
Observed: 9,30
